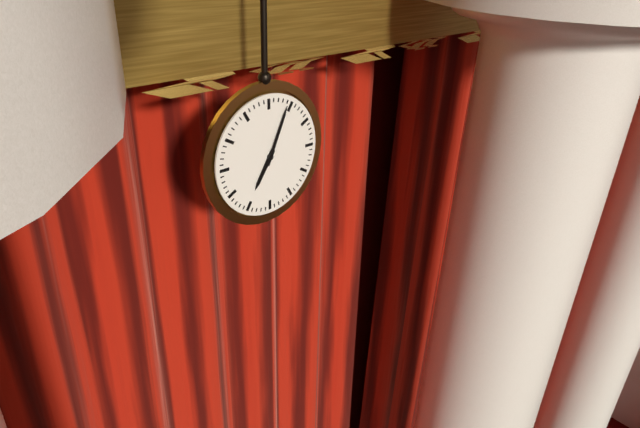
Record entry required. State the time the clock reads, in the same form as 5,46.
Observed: 7,04
